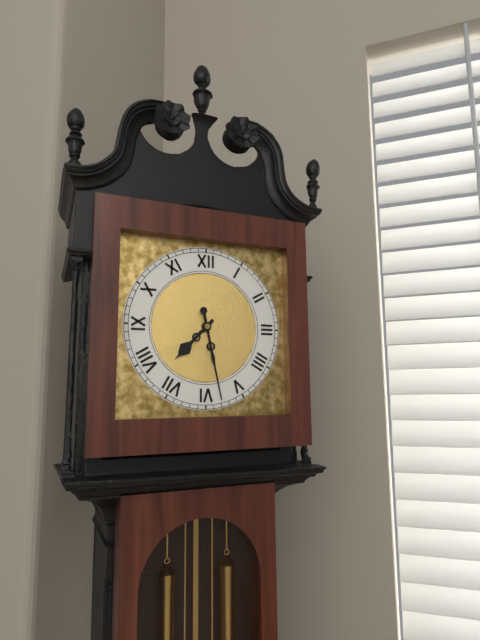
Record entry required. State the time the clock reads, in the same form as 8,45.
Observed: 7,28
